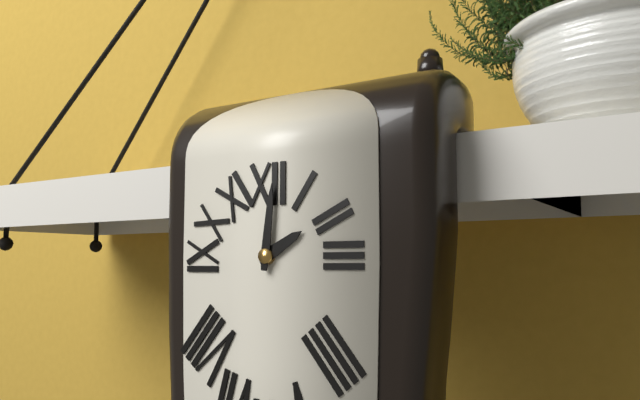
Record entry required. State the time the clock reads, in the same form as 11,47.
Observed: 2,01
